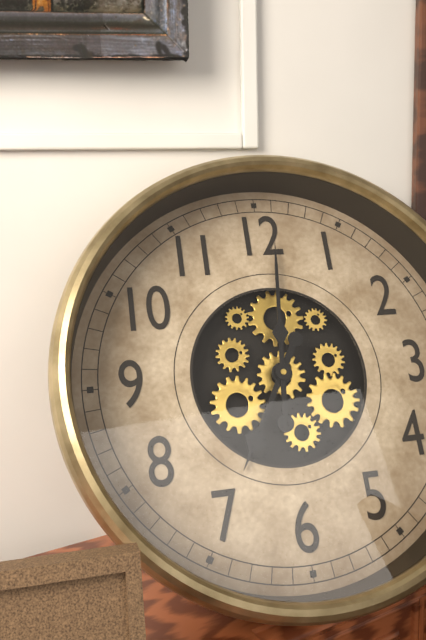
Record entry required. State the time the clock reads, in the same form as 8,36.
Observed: 7,01
